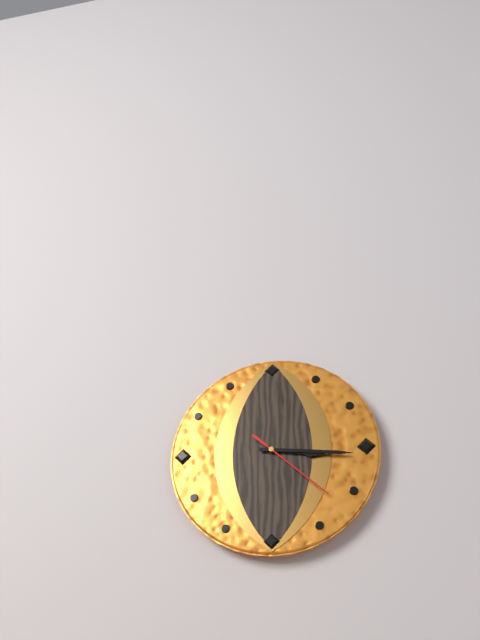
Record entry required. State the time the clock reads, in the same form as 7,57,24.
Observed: 3,16,22
